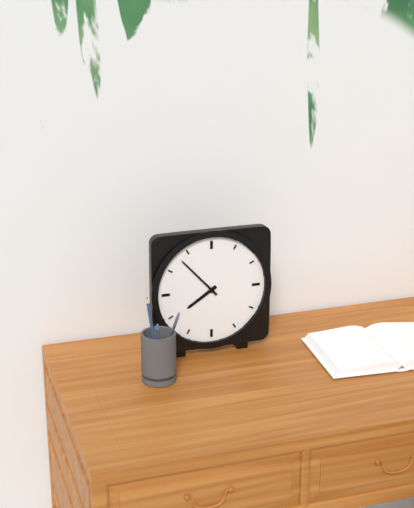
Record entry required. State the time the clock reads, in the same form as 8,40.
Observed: 7,53
